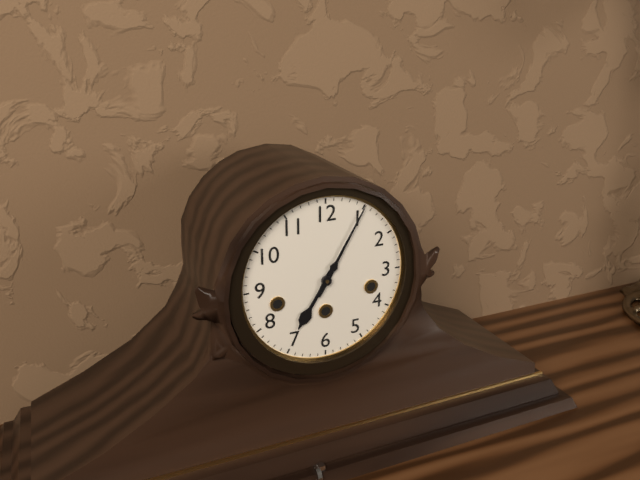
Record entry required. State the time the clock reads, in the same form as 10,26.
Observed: 7,05
